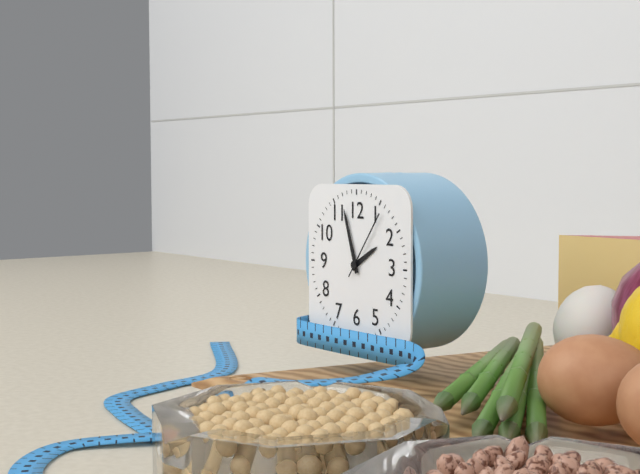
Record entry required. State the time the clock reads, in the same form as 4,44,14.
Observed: 1,57,06
